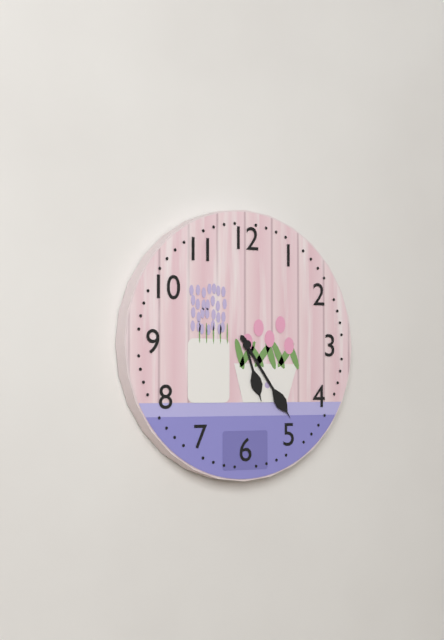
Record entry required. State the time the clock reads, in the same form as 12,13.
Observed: 5,24
